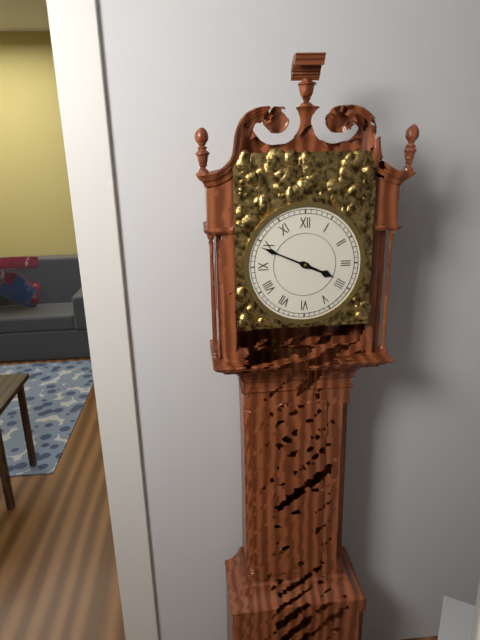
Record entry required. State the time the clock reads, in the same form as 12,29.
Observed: 3,49
